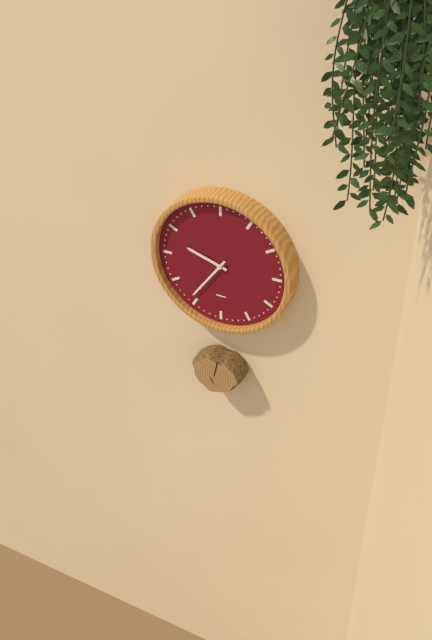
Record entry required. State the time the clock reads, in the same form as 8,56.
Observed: 9,36
